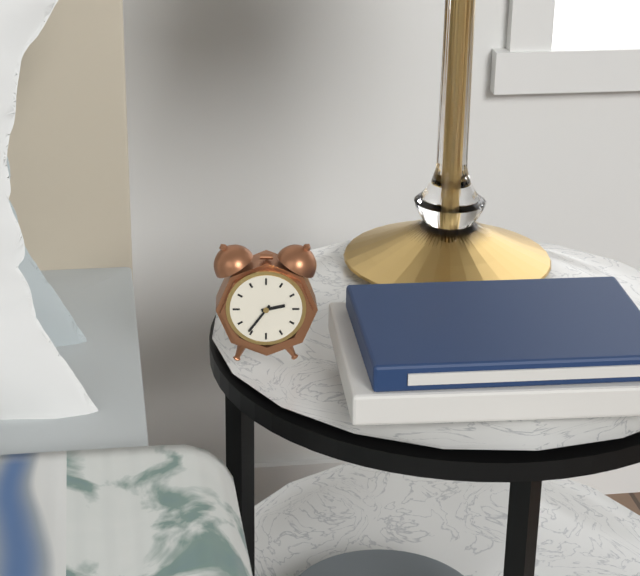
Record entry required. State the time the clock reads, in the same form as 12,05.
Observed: 2,36
